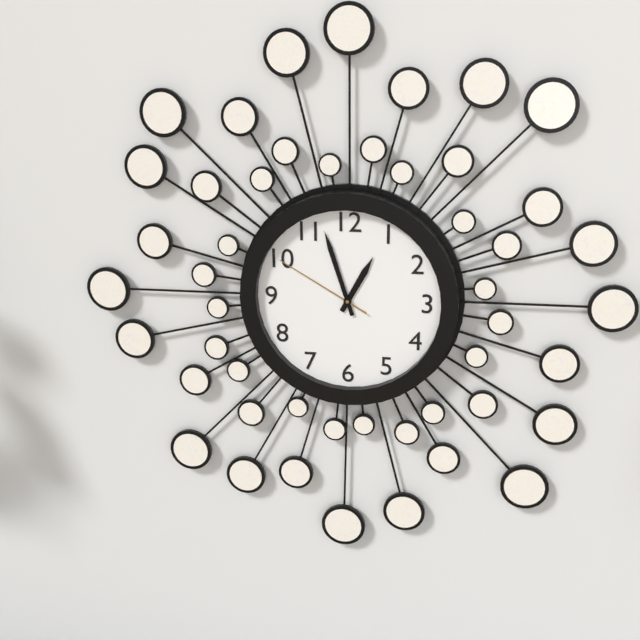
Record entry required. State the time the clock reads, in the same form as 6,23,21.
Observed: 12,57,50
